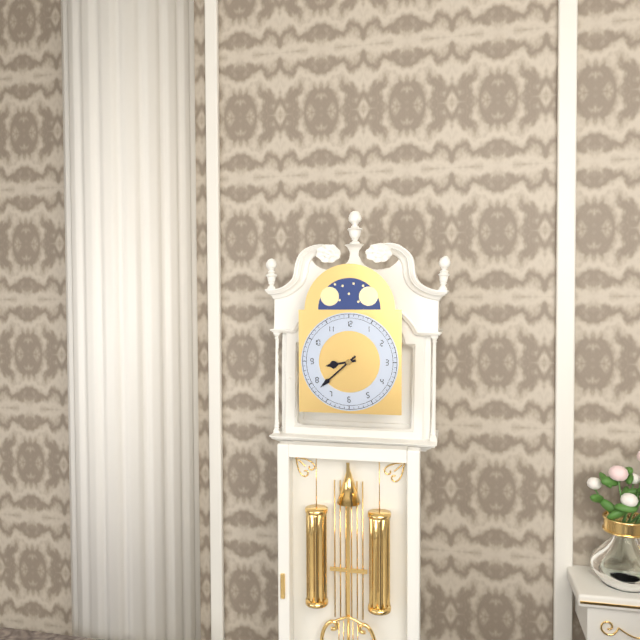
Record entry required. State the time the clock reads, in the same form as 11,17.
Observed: 8,38
